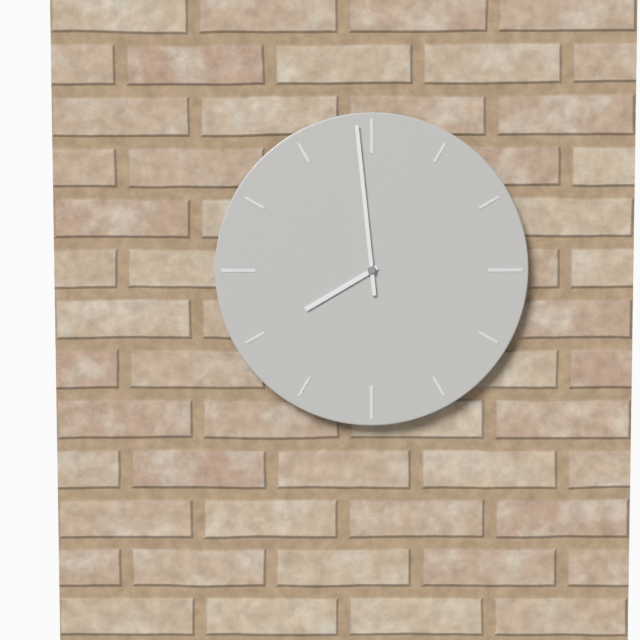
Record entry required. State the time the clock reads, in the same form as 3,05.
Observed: 7,59
